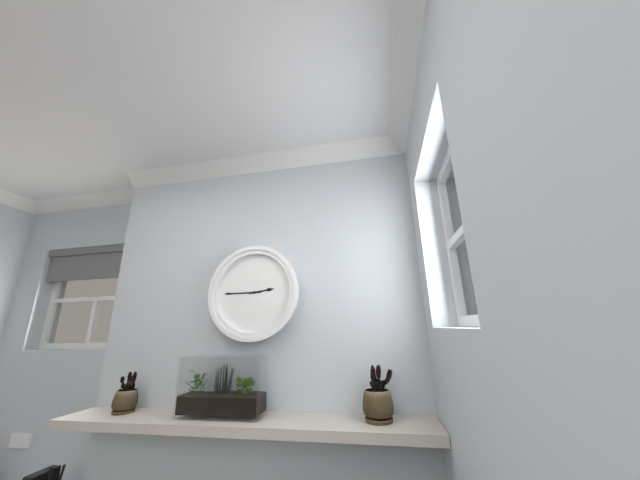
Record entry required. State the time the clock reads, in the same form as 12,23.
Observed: 2,45
